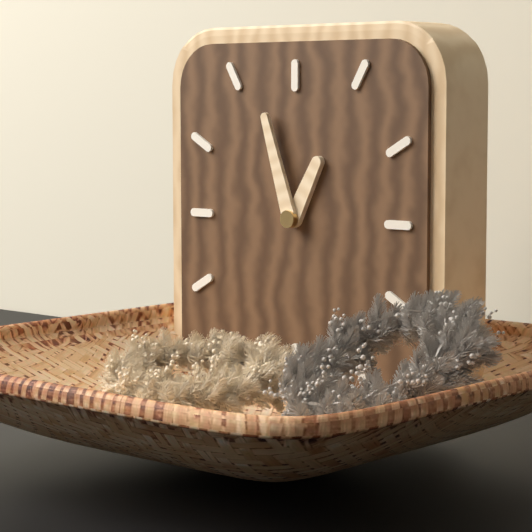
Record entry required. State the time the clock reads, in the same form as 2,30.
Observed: 12,57
